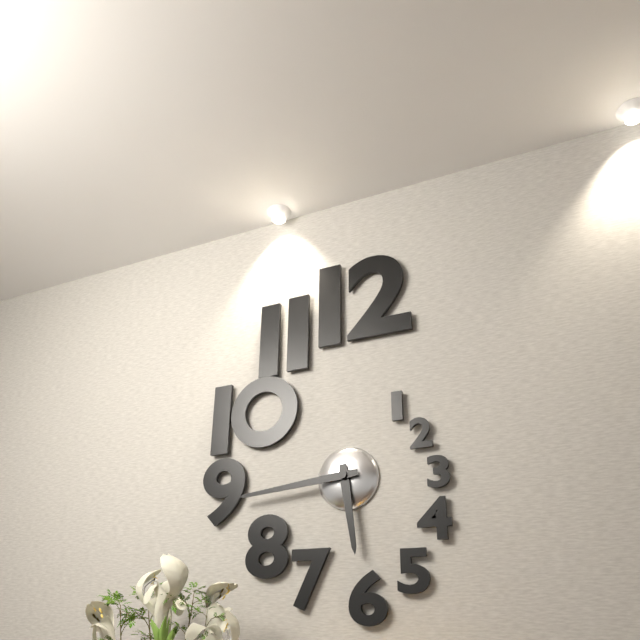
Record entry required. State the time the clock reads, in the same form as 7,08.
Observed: 5,44
